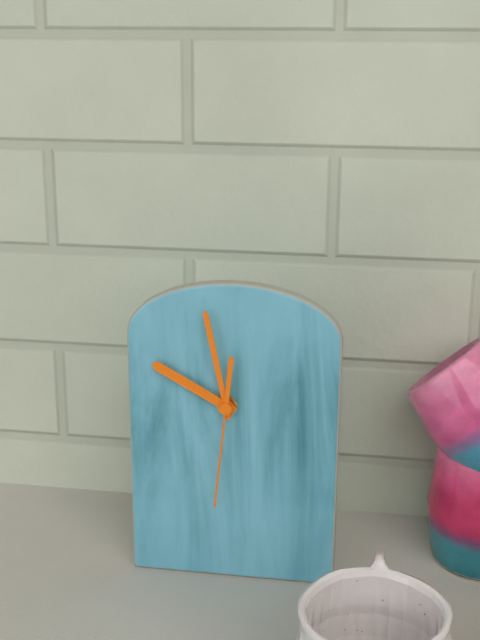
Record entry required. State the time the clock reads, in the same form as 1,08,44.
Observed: 9,58,31
